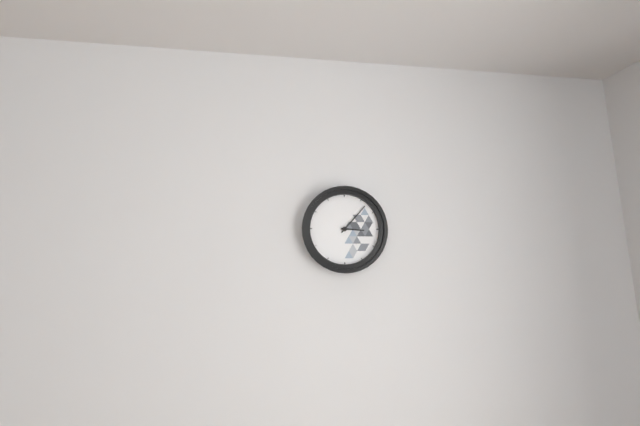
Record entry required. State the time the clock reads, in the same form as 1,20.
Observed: 3,07
